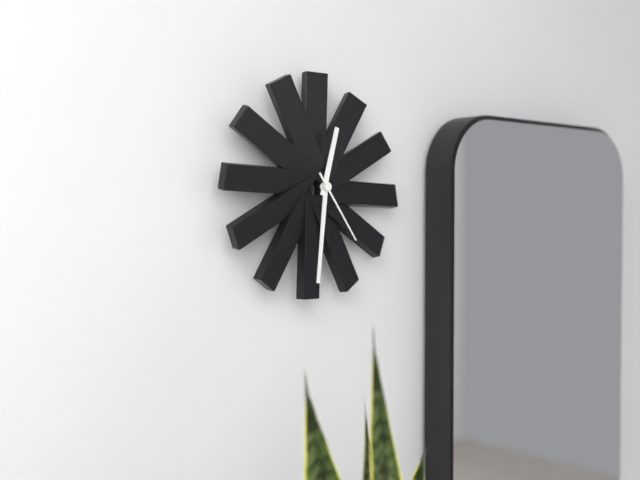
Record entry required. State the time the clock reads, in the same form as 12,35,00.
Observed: 12,31,24
